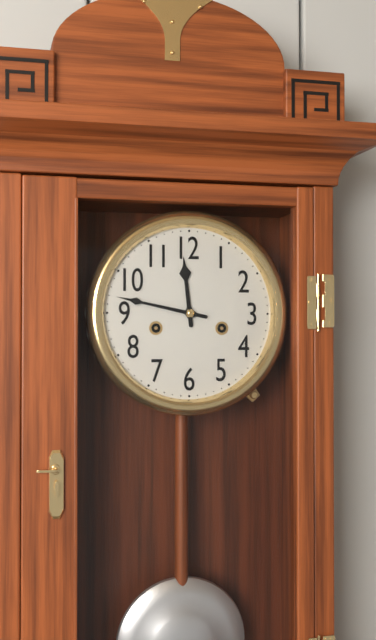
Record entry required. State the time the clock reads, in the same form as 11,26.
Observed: 11,47
